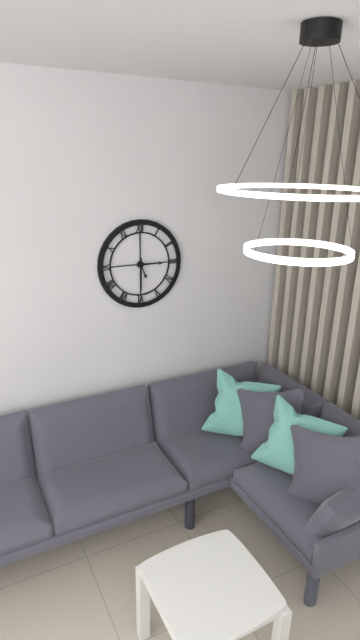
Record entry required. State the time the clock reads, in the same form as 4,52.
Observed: 5,15
